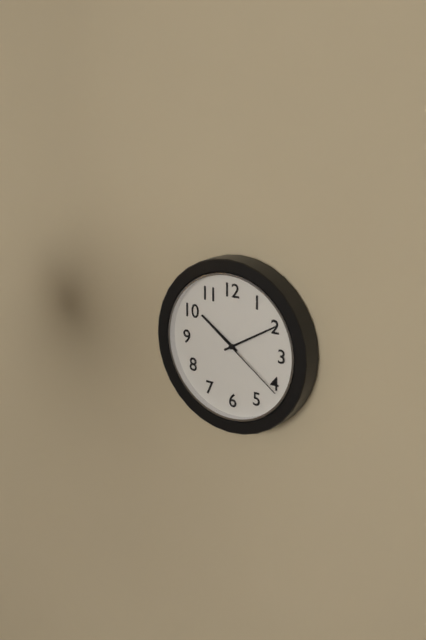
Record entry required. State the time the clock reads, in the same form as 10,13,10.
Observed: 10,10,21
